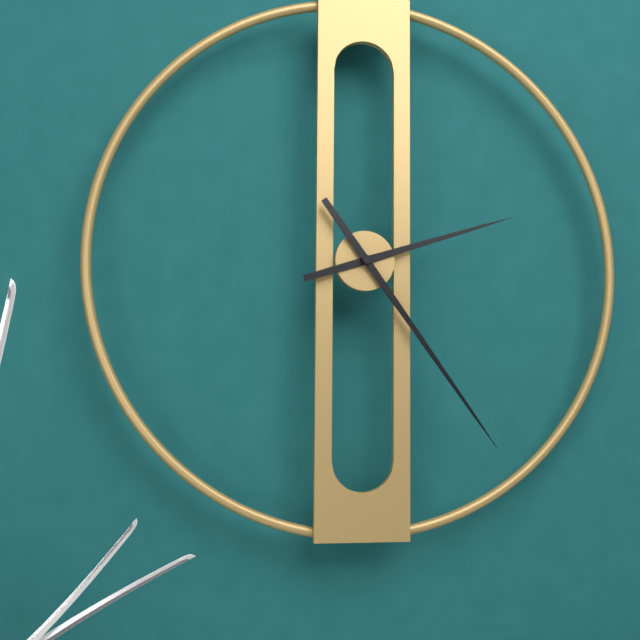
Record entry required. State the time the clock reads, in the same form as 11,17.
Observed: 2,24
